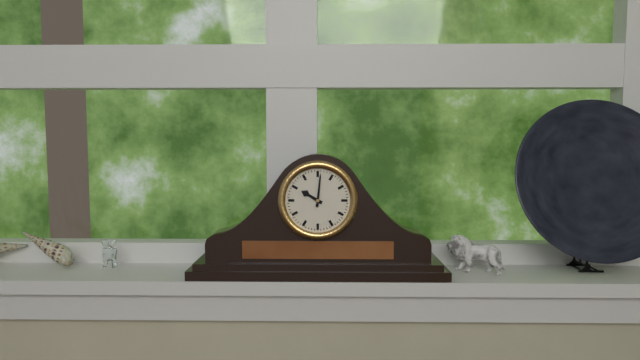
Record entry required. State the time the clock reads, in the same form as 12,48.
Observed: 10,01
